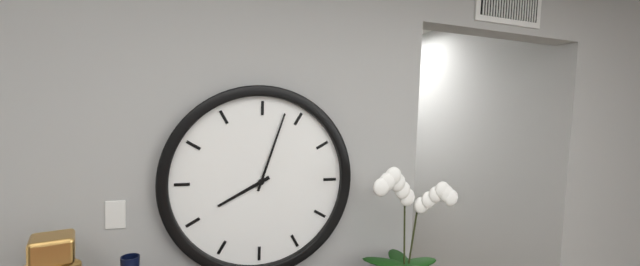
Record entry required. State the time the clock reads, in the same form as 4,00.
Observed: 8,03
